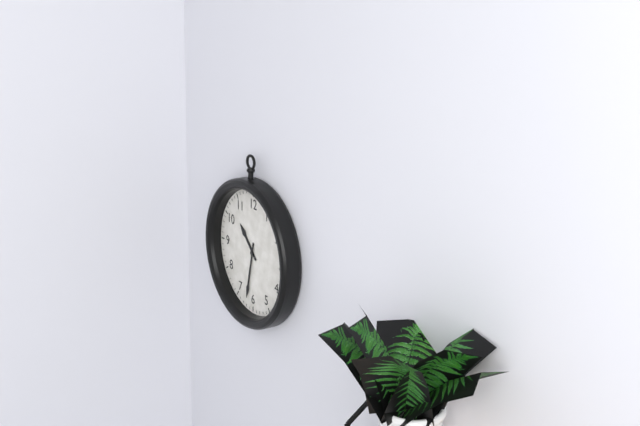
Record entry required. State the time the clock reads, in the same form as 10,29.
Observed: 10,32
